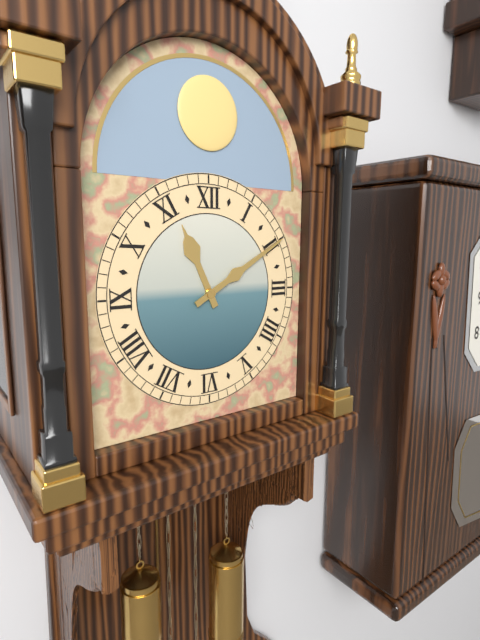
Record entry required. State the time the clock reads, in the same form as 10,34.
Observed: 11,10
